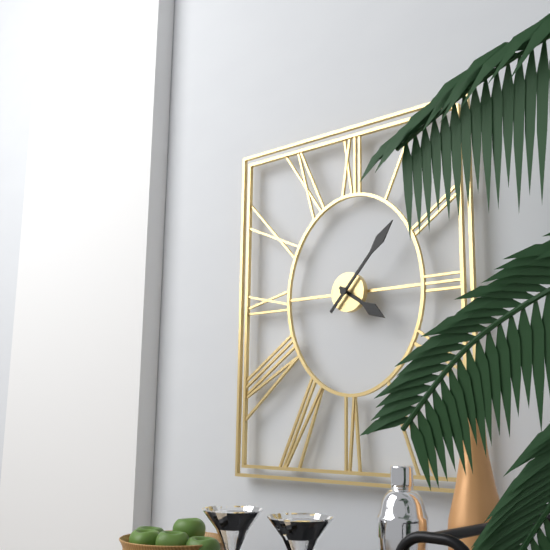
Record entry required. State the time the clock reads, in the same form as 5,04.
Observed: 4,07
